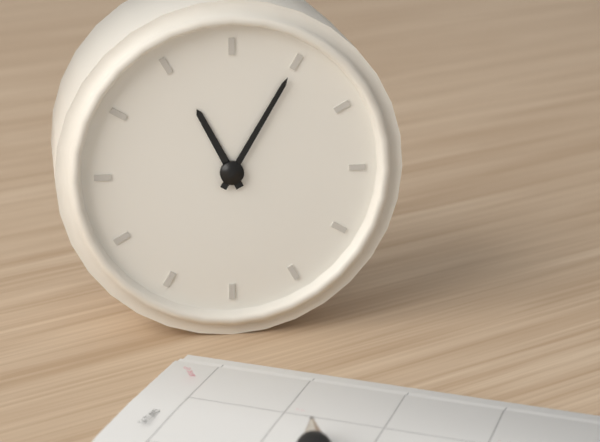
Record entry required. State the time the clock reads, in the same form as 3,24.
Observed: 11,05
